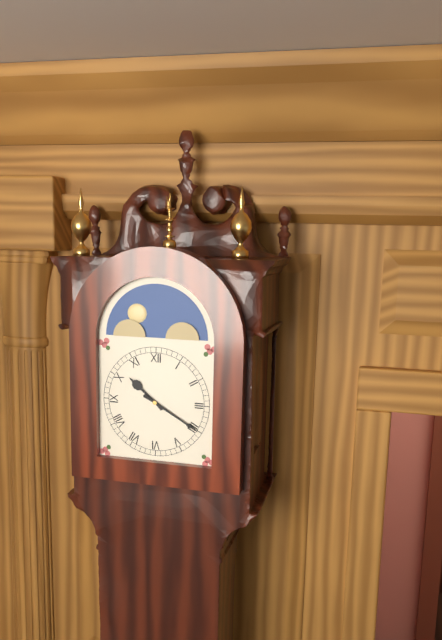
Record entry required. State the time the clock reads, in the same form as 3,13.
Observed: 10,20
